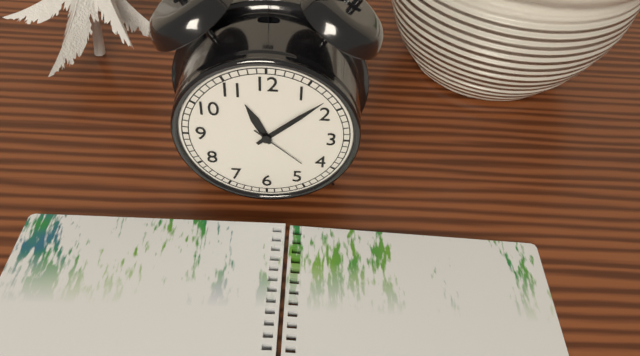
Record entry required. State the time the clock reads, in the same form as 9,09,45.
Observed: 11,08,22
